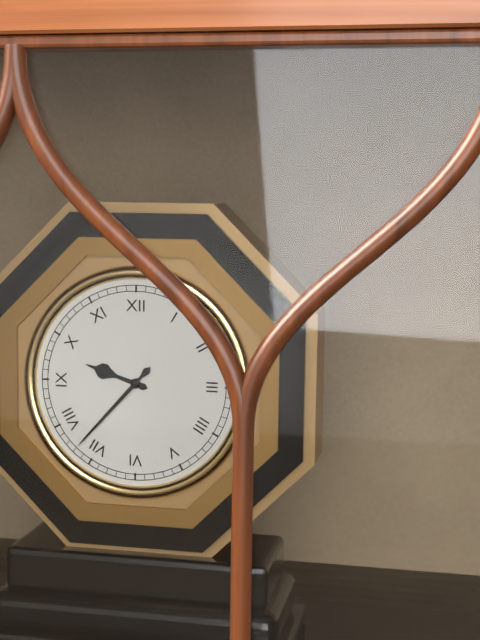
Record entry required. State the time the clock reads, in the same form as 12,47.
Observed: 9,37
